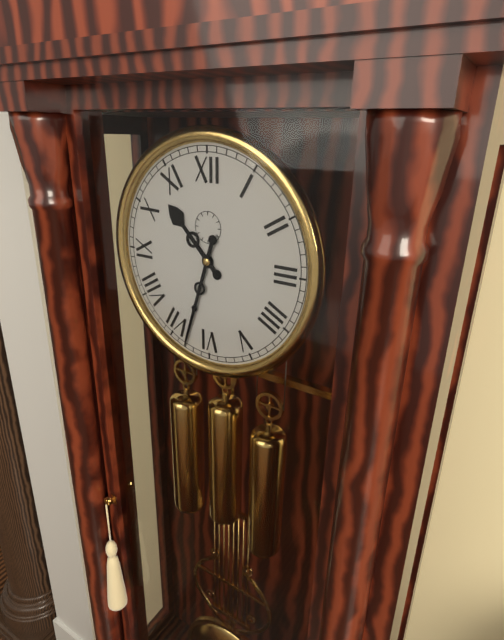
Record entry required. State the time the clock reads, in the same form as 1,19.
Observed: 10,33
